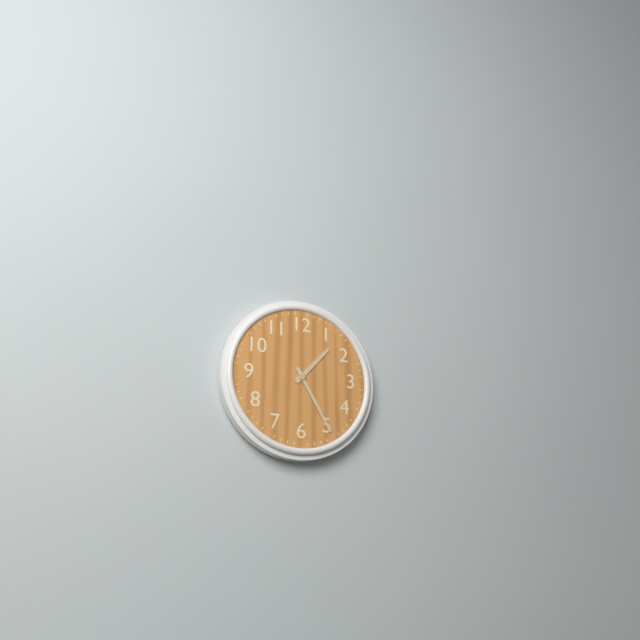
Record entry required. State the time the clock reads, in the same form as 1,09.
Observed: 1,25
